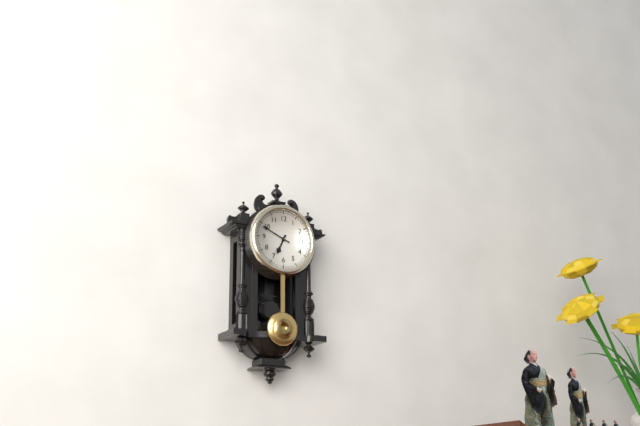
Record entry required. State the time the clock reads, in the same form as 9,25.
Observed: 6,49
